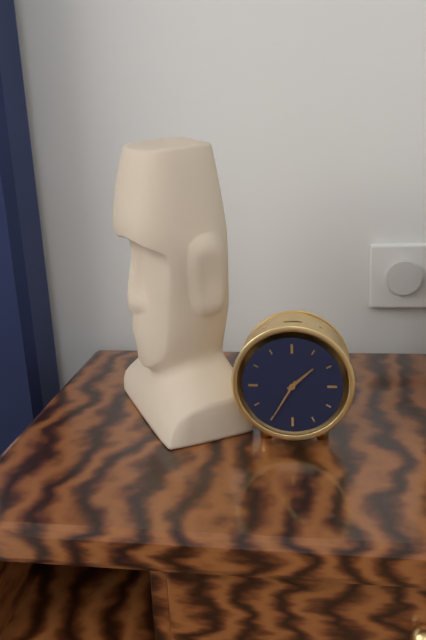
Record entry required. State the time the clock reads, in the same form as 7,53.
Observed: 1,35
